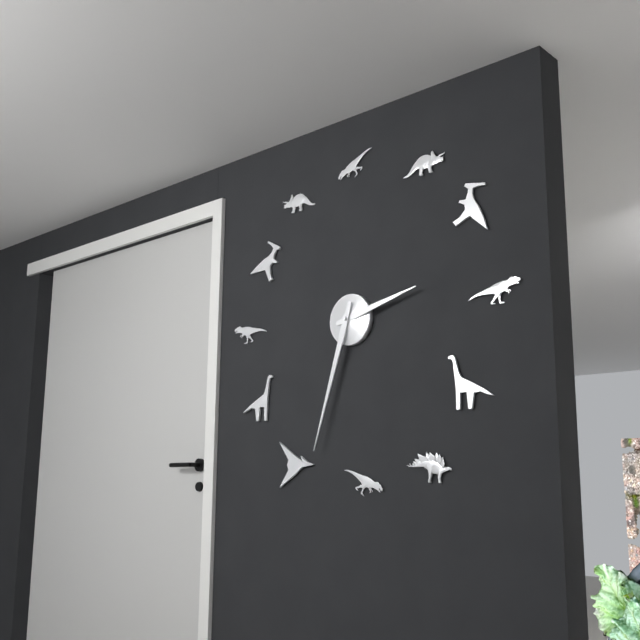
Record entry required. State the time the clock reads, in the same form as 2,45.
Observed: 2,33
